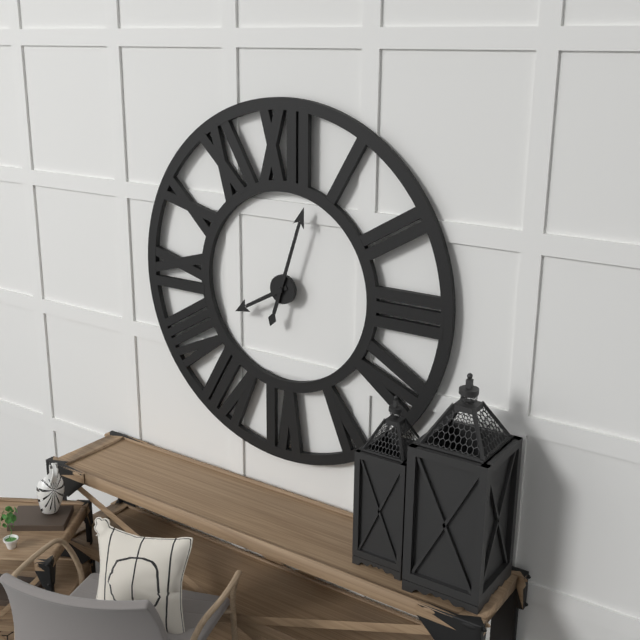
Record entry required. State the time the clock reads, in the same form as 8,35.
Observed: 8,03
